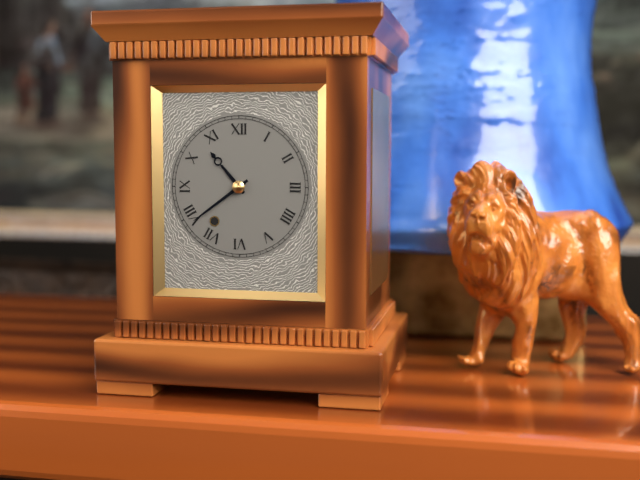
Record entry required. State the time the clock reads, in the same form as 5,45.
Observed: 10,39
